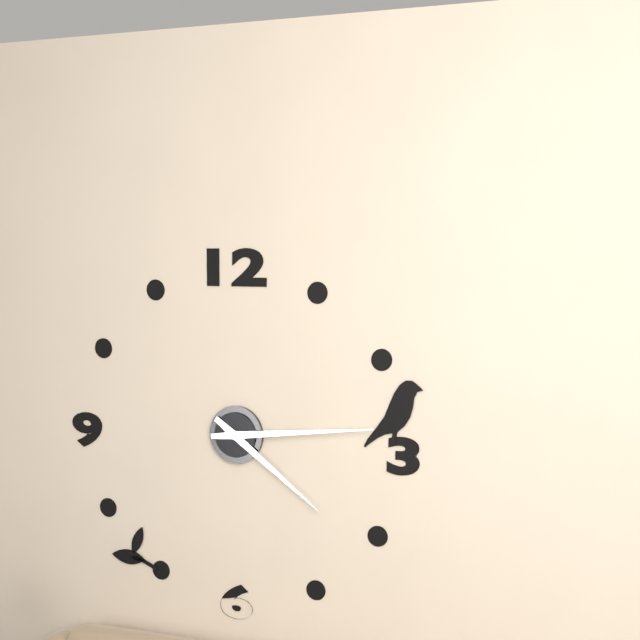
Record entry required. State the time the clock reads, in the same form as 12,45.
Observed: 4,14
